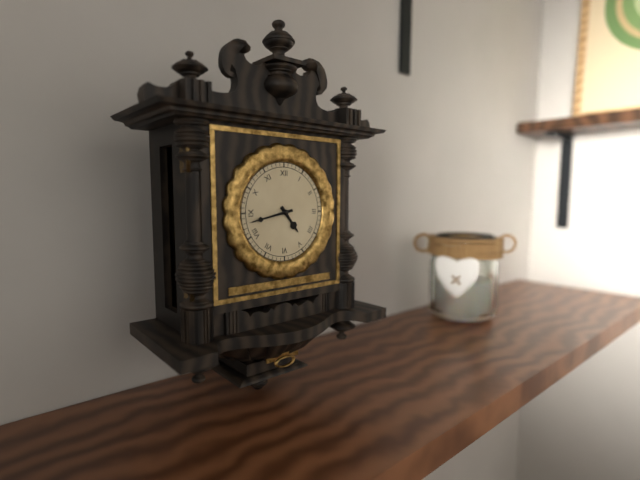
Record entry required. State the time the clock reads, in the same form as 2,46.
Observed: 4,43
